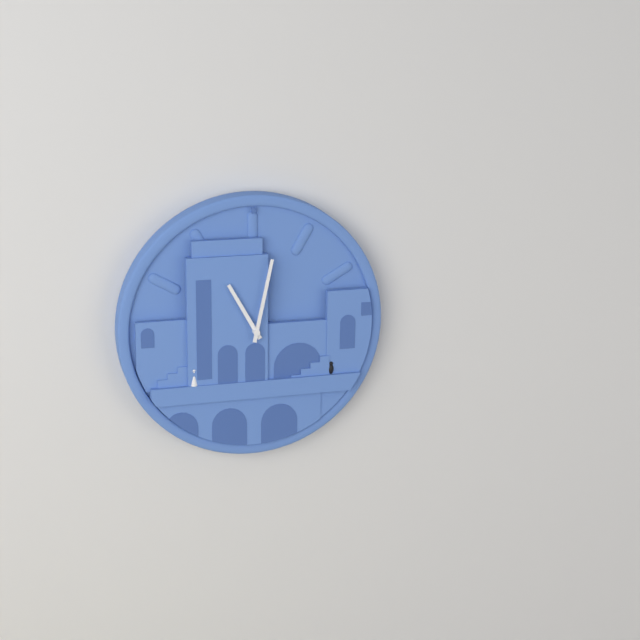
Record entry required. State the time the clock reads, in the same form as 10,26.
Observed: 11,02
